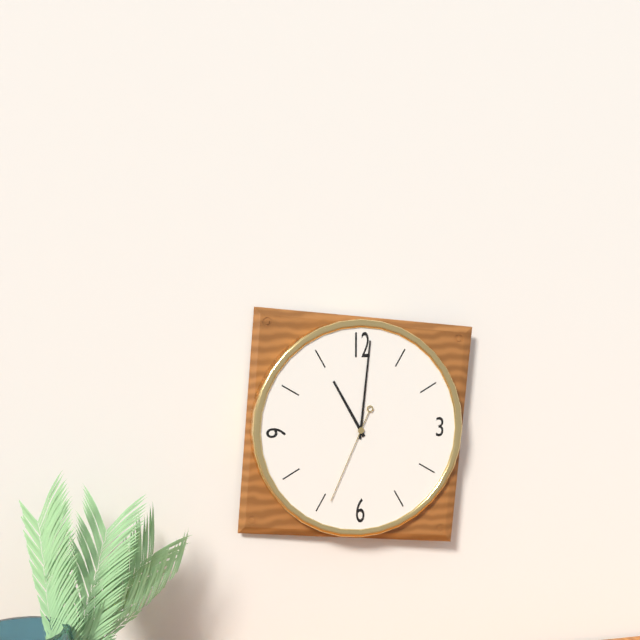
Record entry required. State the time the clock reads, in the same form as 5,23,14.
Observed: 11,01,34
